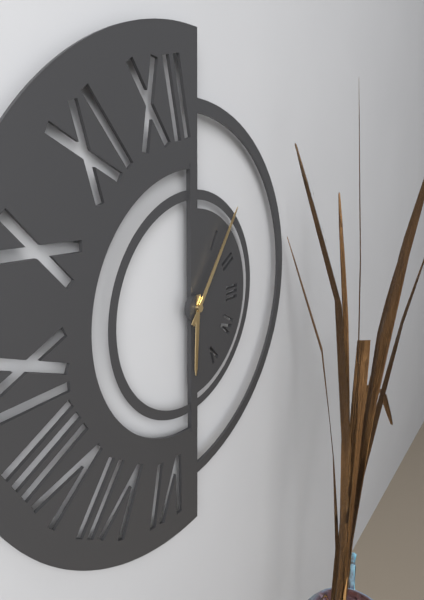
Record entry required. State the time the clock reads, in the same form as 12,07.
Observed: 6,06
